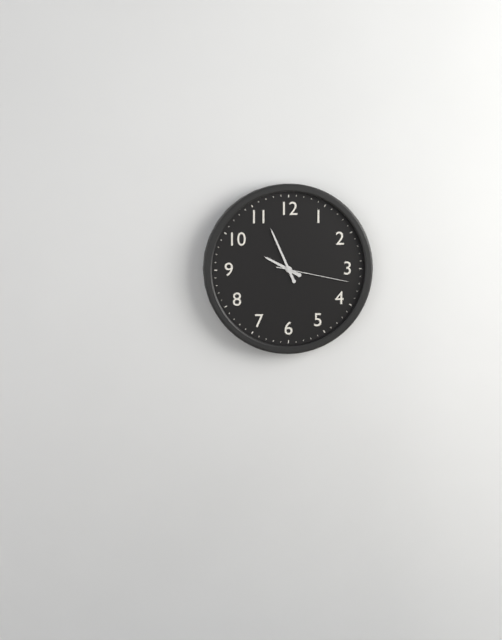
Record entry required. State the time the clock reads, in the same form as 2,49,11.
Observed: 9,56,17
